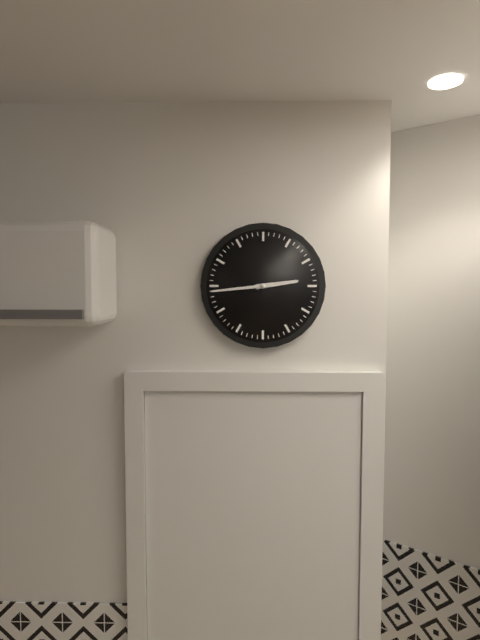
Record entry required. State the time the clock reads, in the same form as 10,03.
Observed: 2,44
